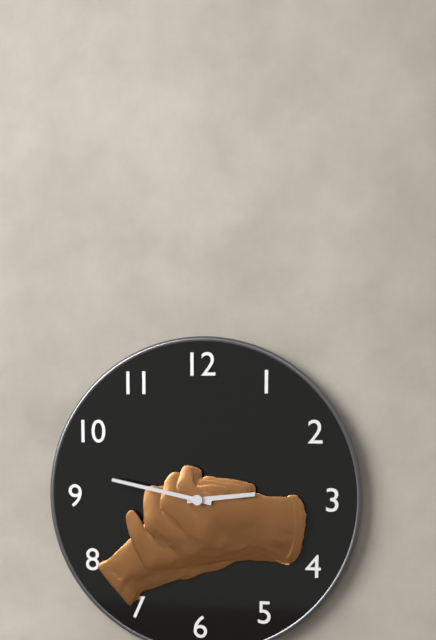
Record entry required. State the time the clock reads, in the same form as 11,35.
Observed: 2,47
